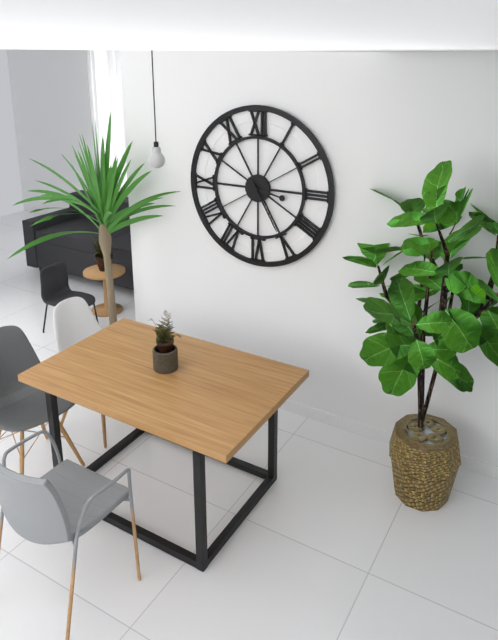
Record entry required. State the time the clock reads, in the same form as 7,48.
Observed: 3,25
